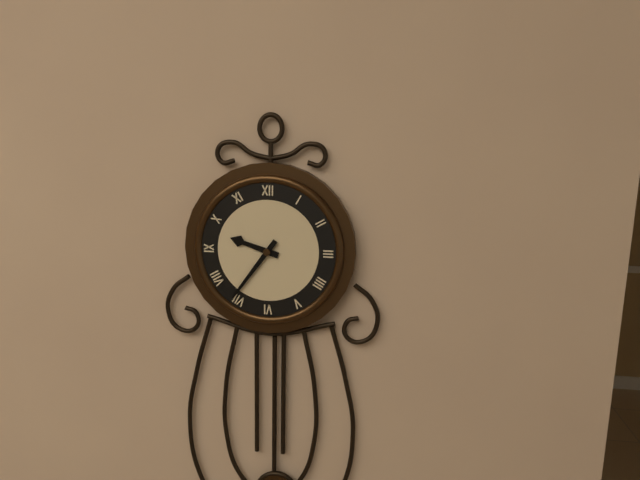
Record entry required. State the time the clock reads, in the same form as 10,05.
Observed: 9,36
